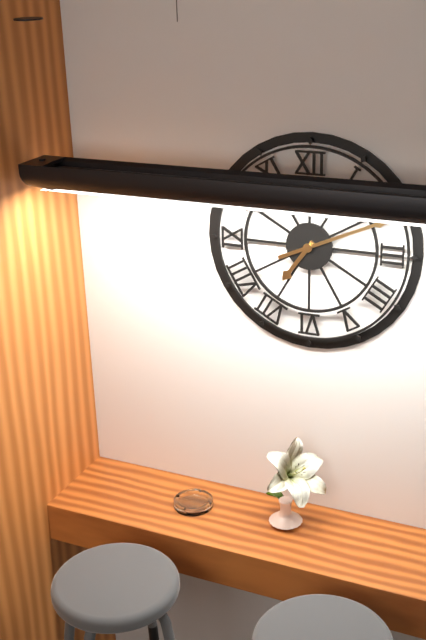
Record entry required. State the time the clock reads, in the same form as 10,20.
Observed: 7,11
